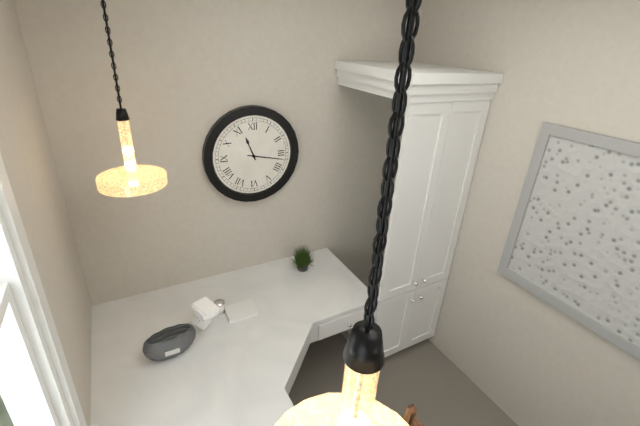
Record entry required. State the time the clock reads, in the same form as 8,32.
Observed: 11,17
